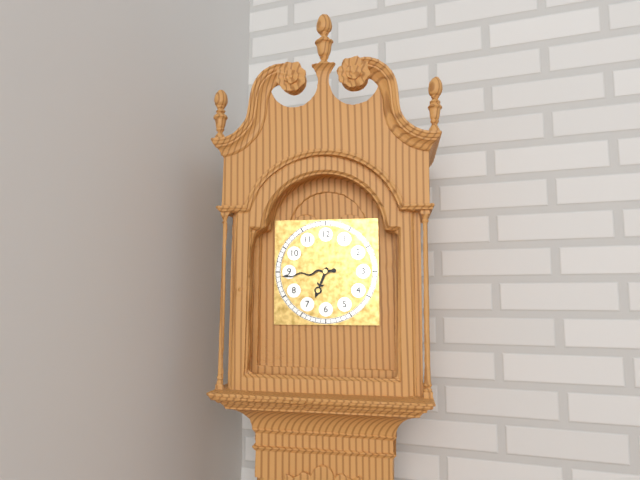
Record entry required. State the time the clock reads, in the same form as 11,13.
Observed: 6,44
